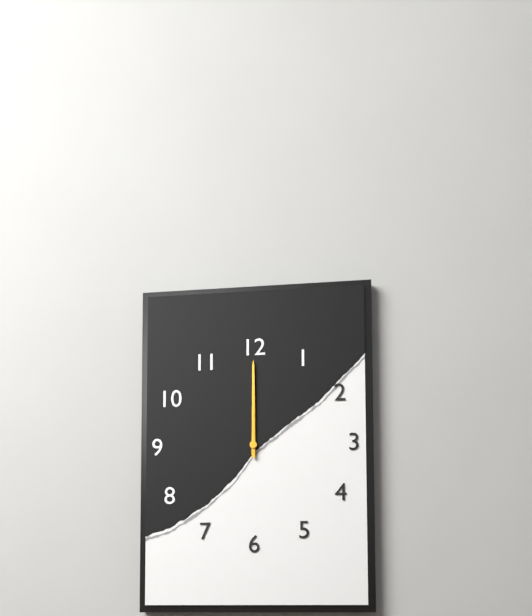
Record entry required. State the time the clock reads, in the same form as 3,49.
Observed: 12,00
